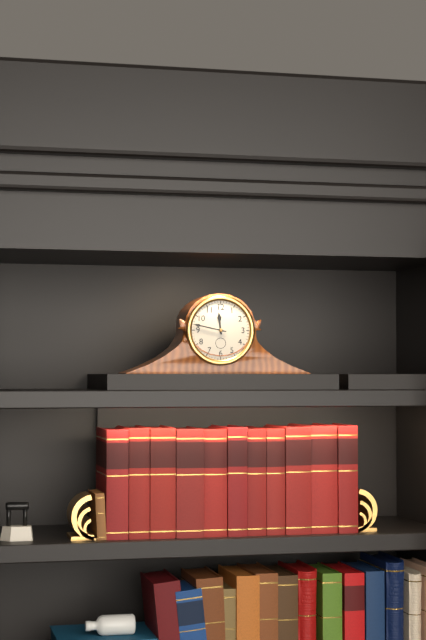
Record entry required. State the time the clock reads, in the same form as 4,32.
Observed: 11,47
